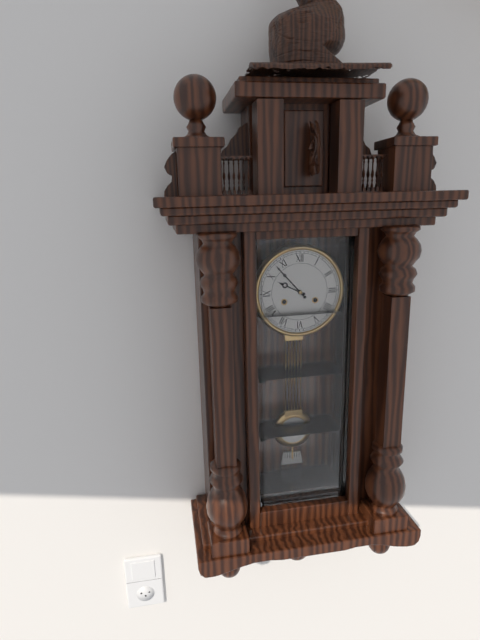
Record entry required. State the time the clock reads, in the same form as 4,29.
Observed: 9,53
